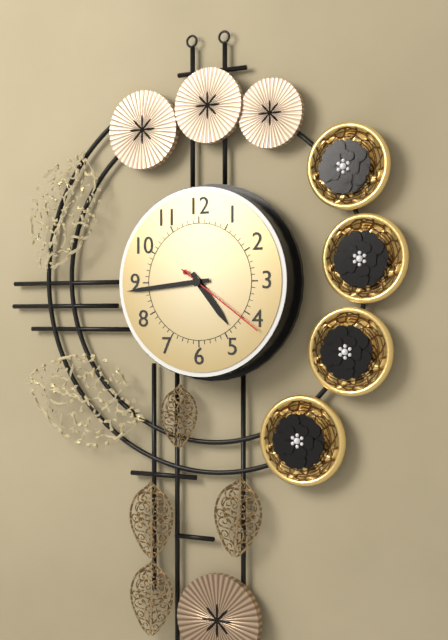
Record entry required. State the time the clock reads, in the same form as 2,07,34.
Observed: 4,44,21
